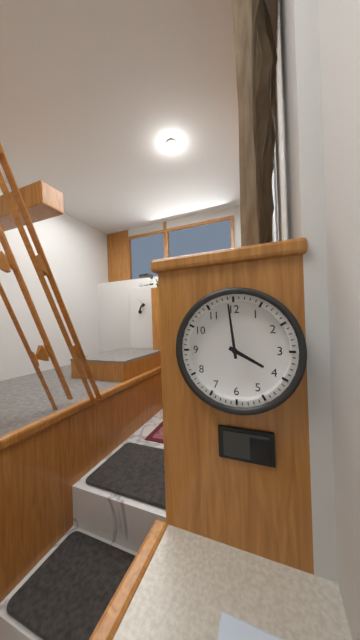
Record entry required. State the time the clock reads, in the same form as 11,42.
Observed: 3,59
